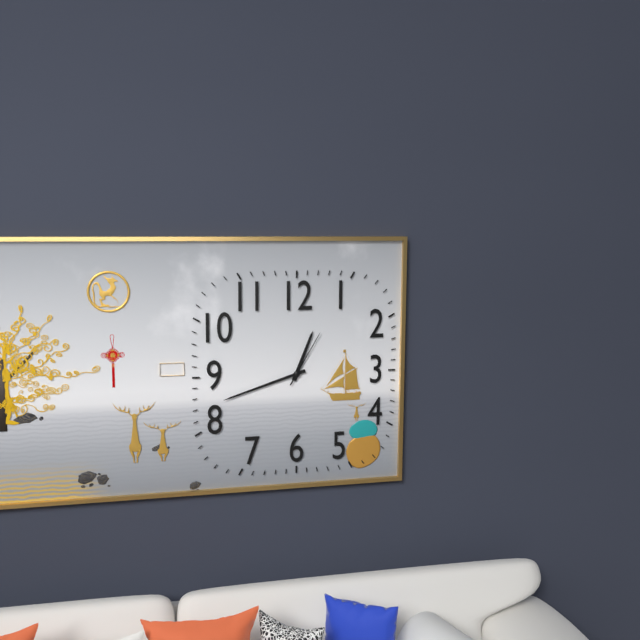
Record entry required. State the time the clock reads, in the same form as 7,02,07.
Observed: 12,42,05
